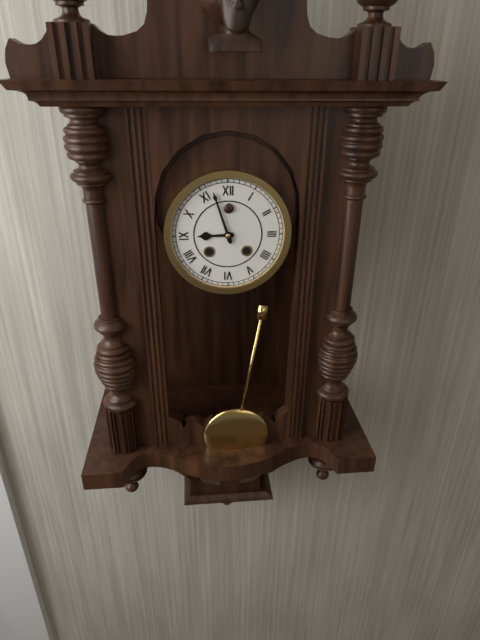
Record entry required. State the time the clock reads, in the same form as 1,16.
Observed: 8,57
